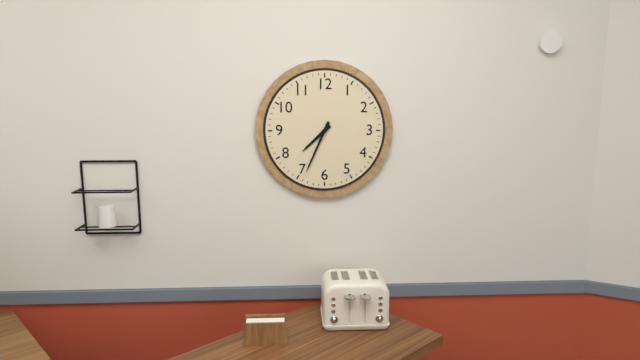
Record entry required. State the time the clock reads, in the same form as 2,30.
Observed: 7,34
